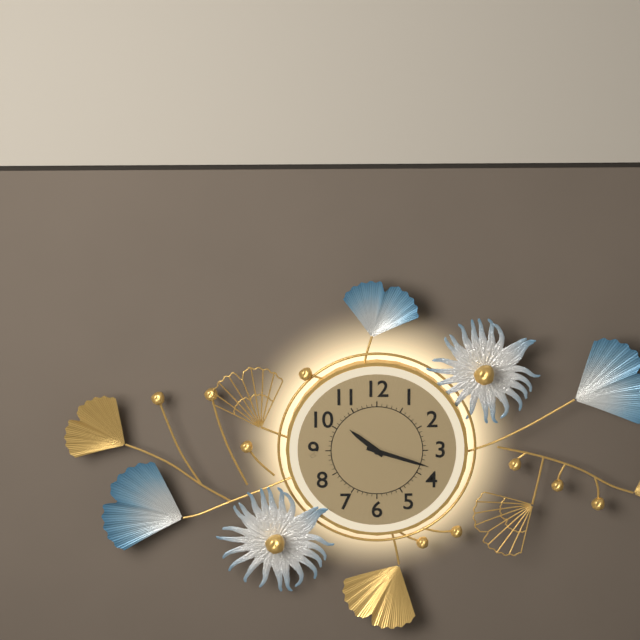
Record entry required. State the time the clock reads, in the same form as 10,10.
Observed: 10,18
